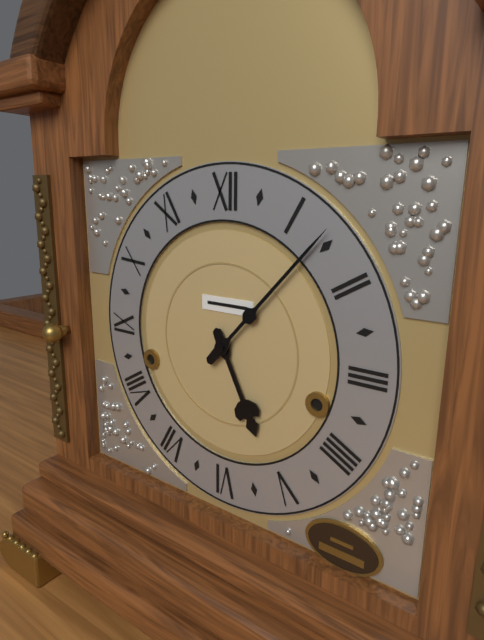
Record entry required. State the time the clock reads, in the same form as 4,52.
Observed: 5,07
